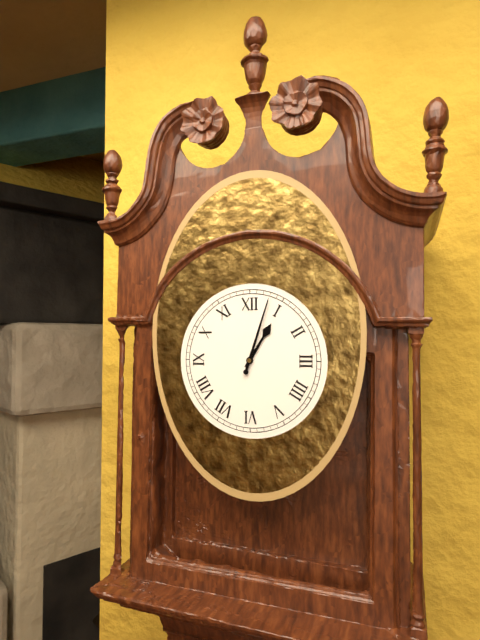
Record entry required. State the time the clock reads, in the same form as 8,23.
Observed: 1,03
